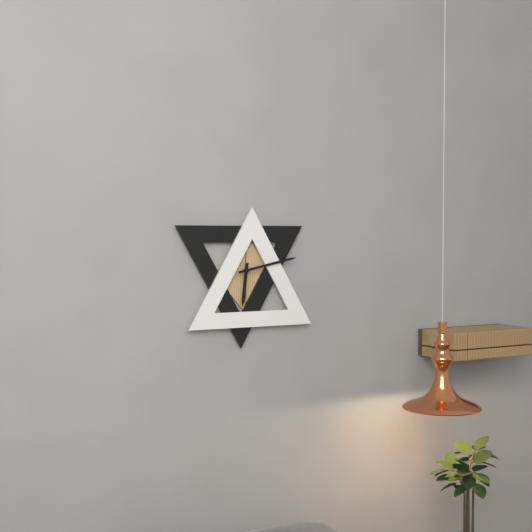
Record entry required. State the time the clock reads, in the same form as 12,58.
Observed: 6,13
